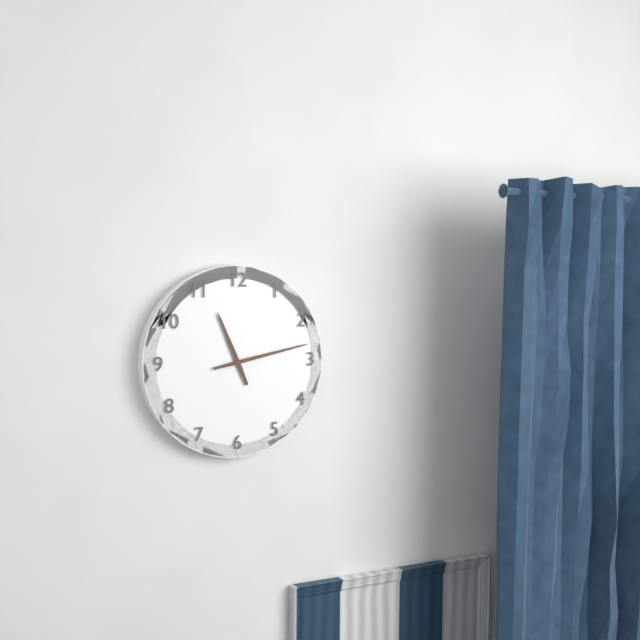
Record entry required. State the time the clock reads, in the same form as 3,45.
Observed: 11,13
